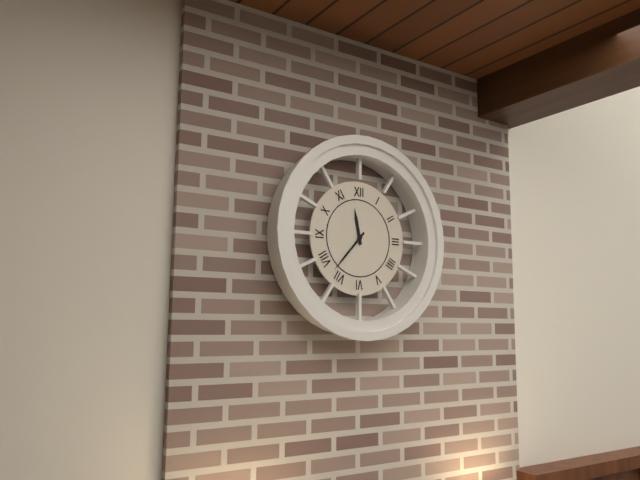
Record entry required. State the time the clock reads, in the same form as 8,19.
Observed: 11,37
